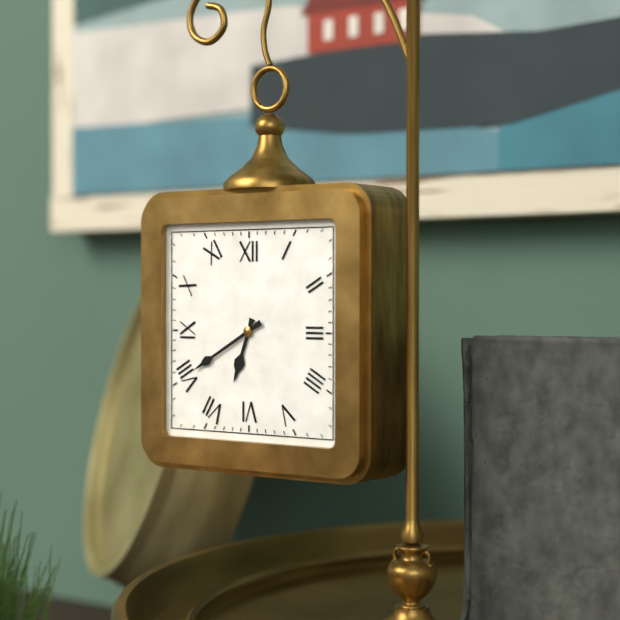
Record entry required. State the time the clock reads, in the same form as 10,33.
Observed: 6,40
